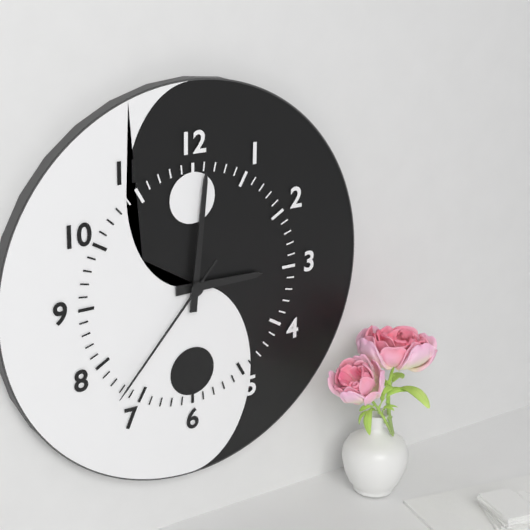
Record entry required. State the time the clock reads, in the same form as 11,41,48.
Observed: 3,01,37
